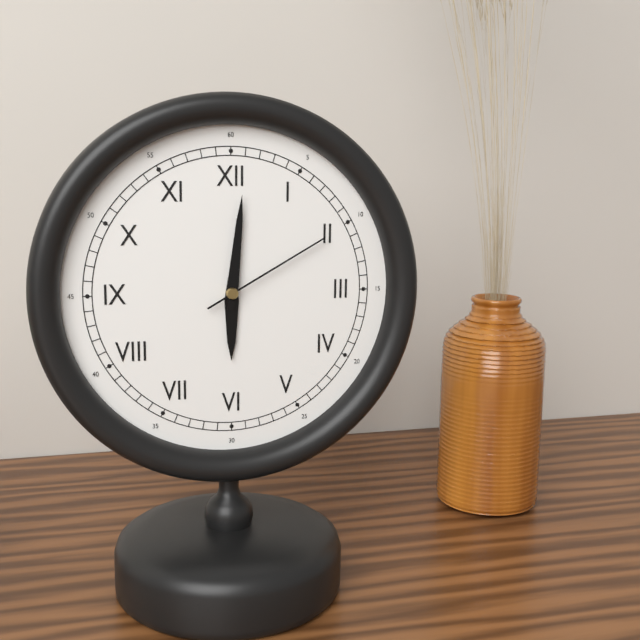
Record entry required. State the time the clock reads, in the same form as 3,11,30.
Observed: 6,01,10
